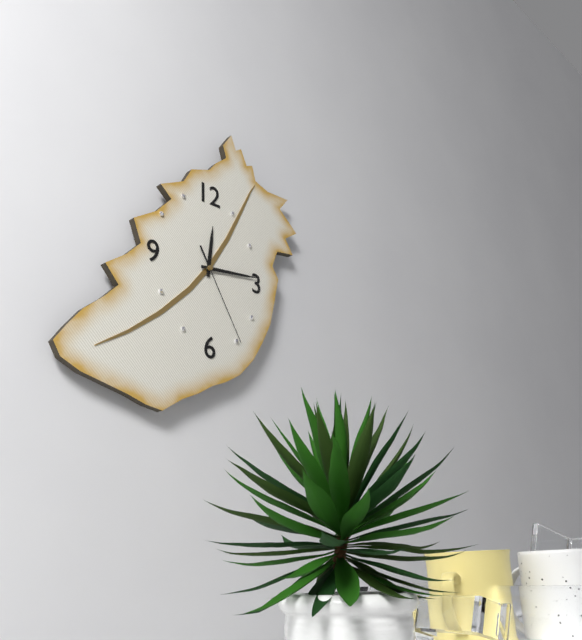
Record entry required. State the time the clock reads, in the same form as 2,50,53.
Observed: 12,14,25
